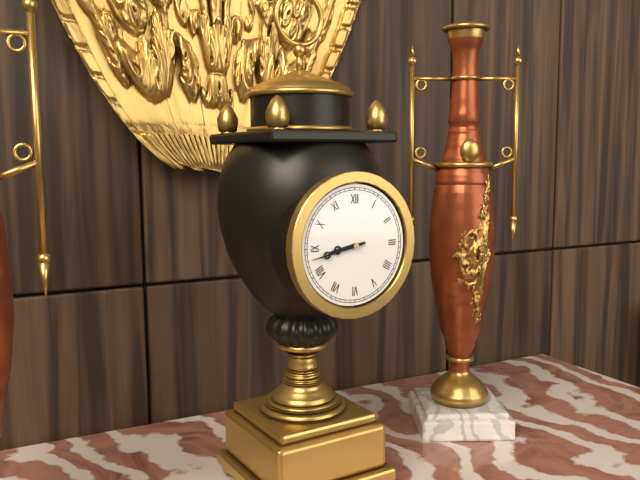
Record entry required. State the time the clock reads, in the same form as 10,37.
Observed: 8,43
